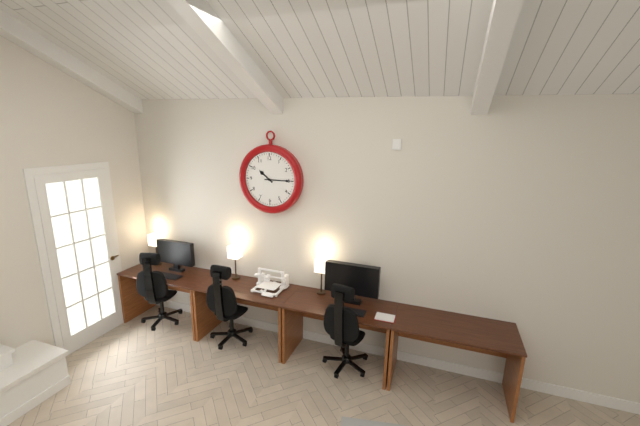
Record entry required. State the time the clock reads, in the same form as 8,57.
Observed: 10,15
